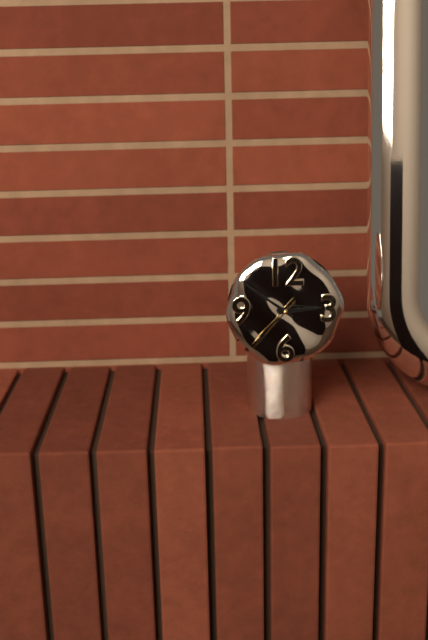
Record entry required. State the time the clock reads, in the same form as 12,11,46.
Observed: 2,51,37
